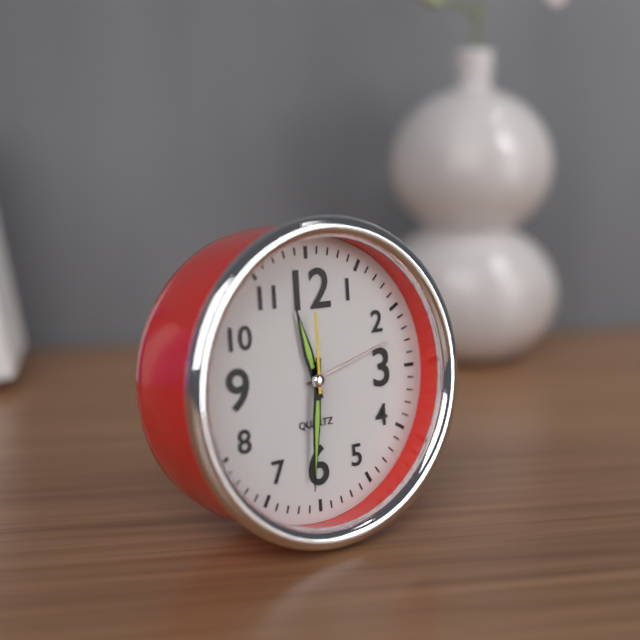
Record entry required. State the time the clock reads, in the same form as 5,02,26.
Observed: 11,31,00
